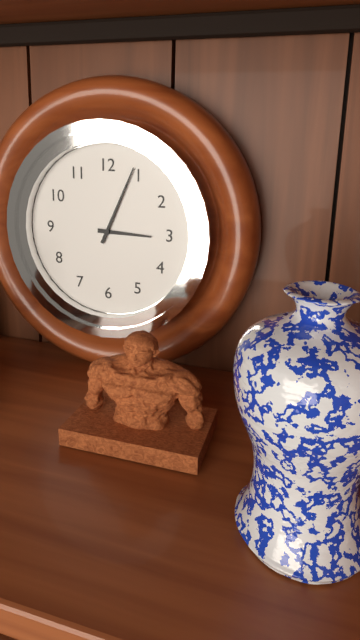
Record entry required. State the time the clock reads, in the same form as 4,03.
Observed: 3,04
